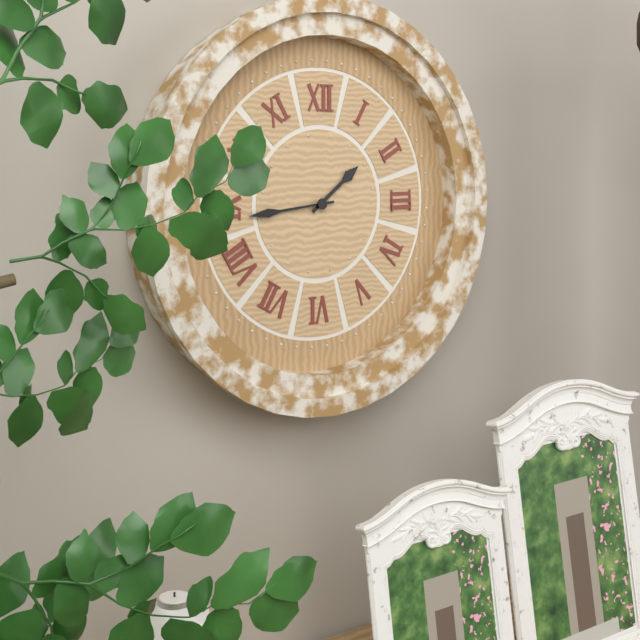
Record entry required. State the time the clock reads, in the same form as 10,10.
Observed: 1,44
